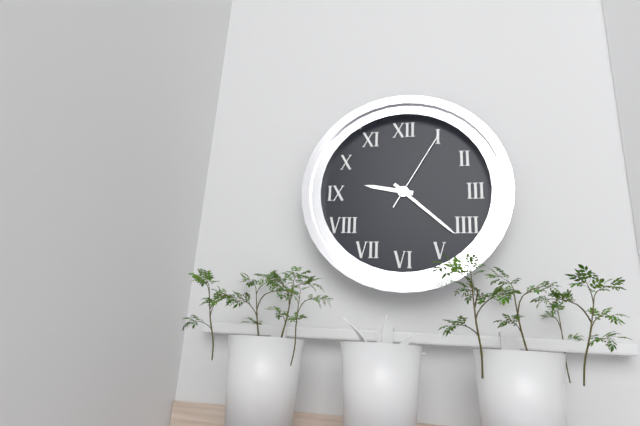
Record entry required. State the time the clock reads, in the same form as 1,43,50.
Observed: 9,22,05
